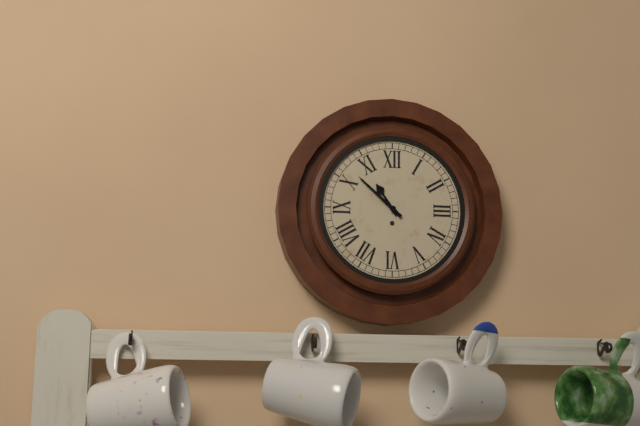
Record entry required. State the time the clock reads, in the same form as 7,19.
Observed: 10,52
